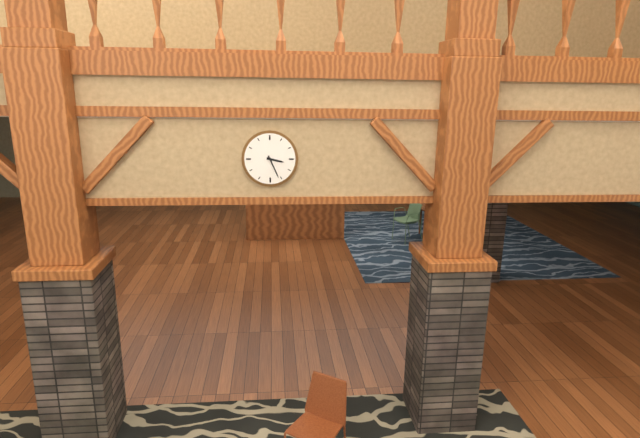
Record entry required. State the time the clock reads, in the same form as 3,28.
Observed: 3,26
